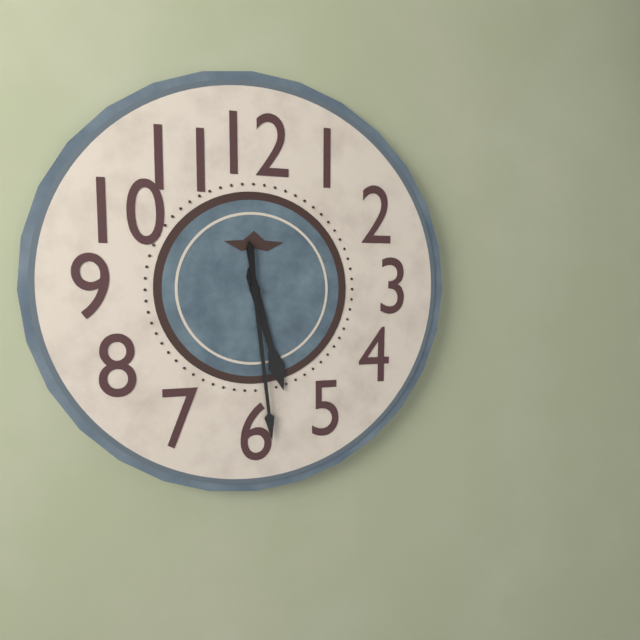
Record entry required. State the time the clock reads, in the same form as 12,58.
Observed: 5,29
